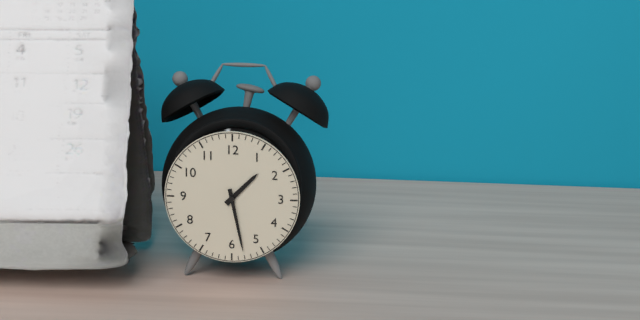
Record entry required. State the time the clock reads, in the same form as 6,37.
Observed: 1,28
